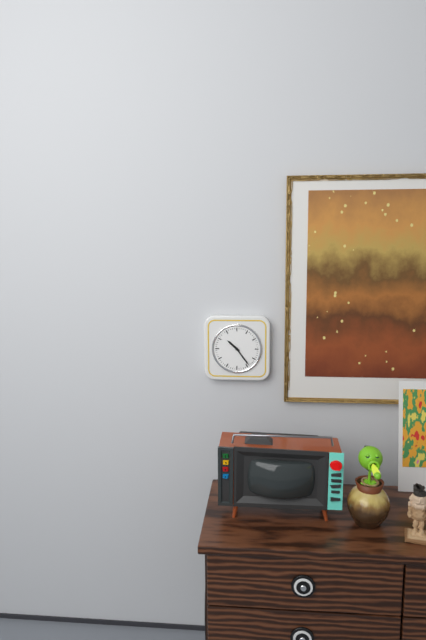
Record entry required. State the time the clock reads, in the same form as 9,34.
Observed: 10,24
